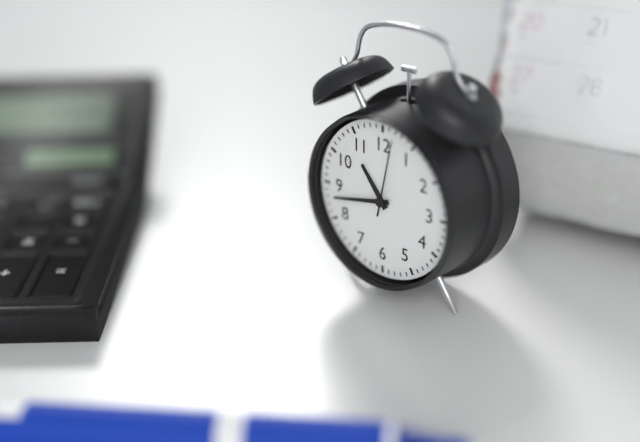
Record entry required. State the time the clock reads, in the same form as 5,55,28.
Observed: 10,43,02
